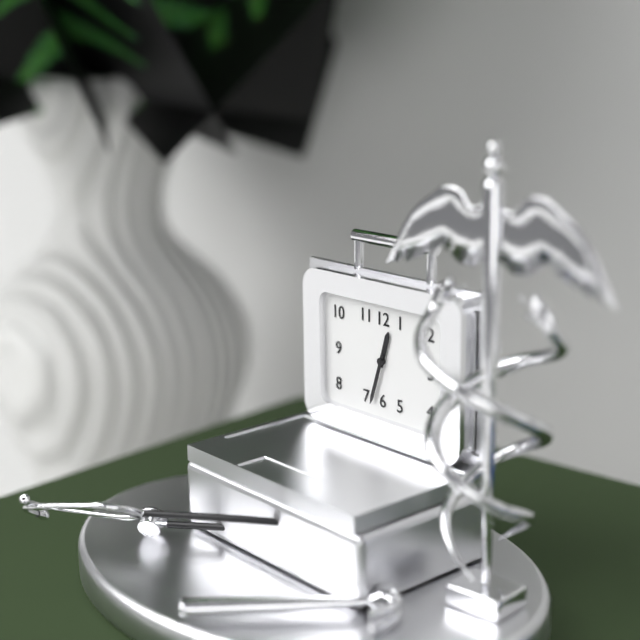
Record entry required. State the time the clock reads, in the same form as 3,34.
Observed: 12,33
